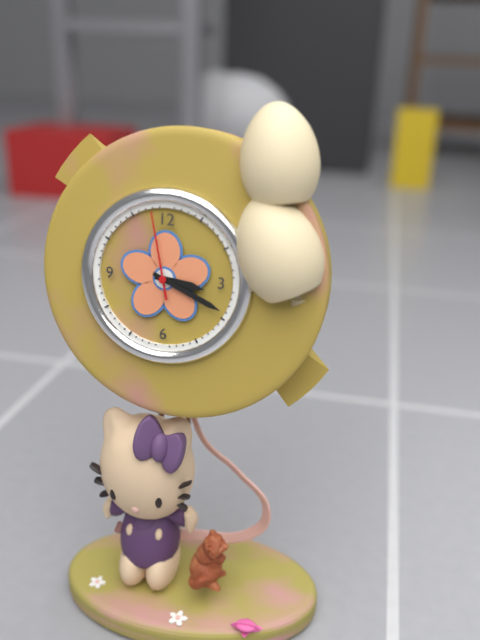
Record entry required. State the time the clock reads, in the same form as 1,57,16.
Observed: 3,19,58
